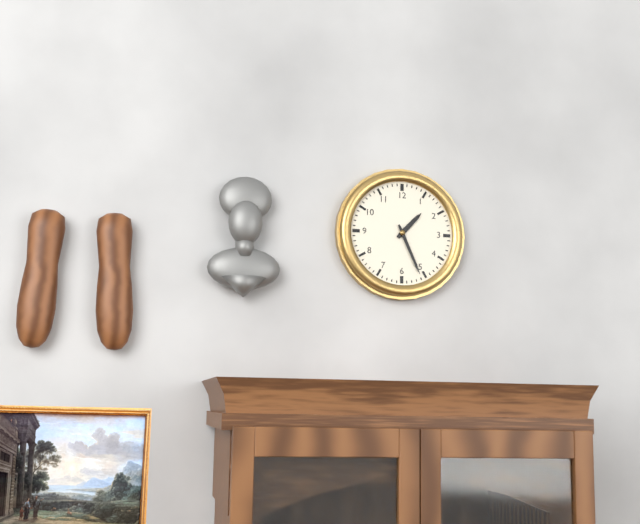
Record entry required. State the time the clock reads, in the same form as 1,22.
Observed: 1,26
